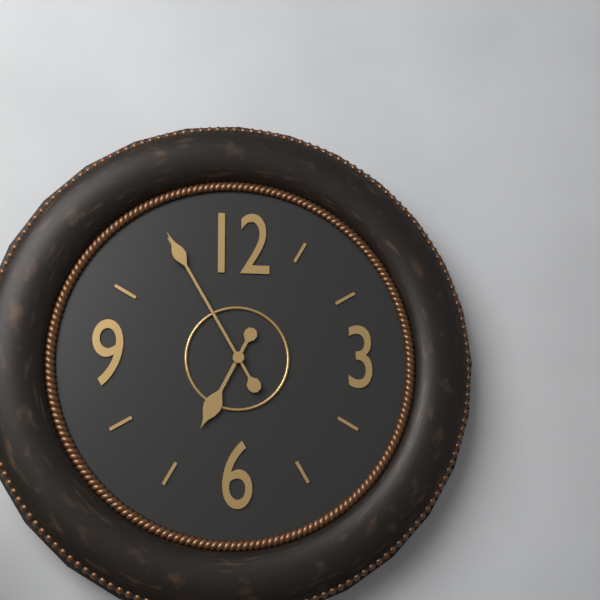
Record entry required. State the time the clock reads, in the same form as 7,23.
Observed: 6,55
